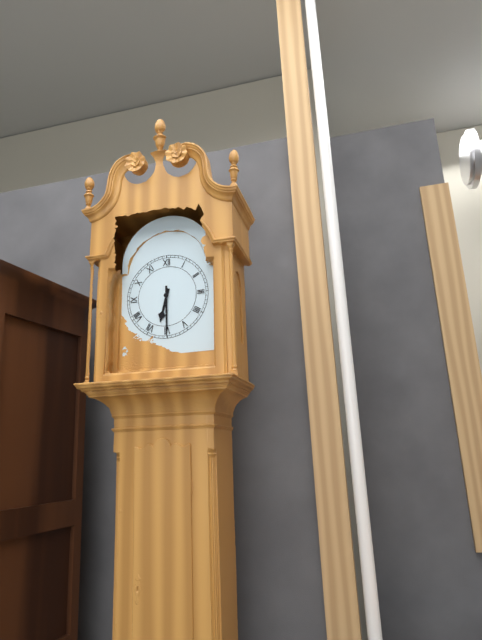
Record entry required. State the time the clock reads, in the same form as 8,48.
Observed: 6,30
